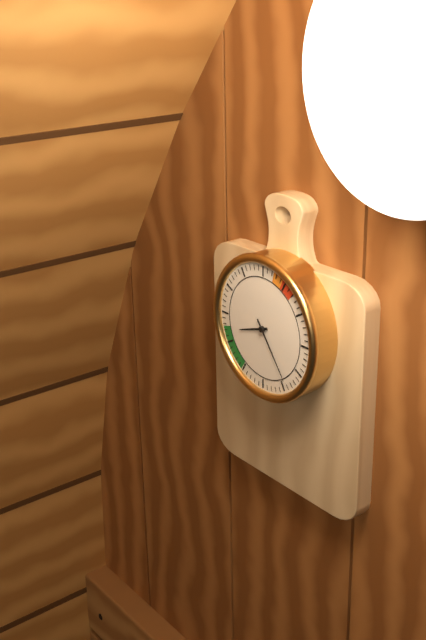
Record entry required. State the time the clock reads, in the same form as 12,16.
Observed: 8,24
